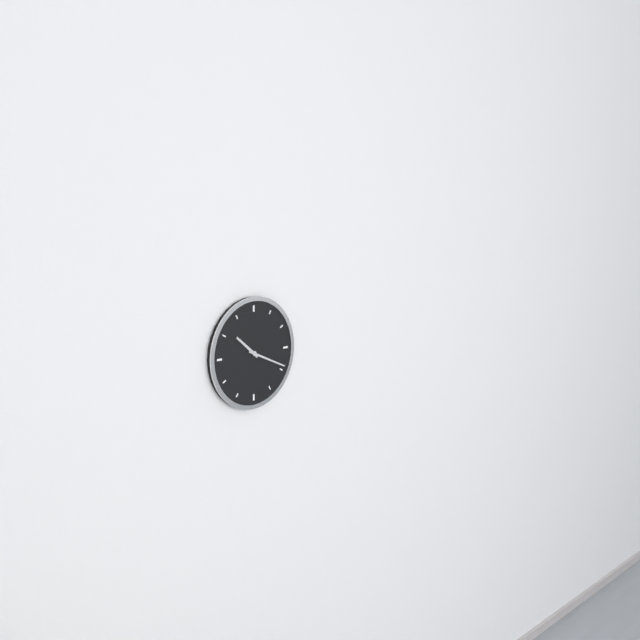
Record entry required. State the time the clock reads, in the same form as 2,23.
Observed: 10,19
